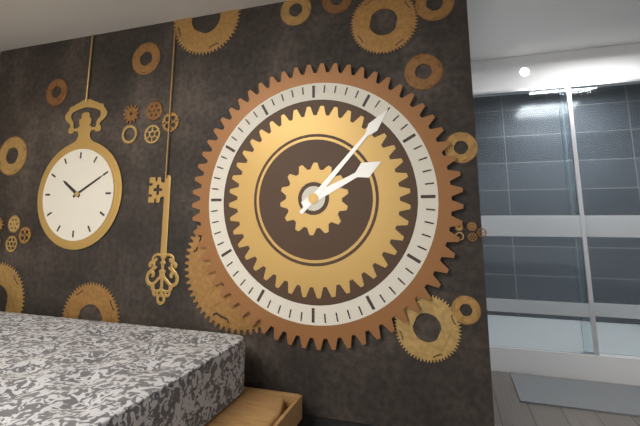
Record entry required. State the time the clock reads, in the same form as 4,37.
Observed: 2,07
